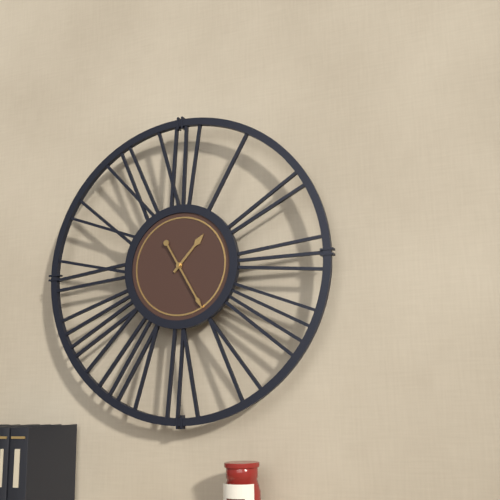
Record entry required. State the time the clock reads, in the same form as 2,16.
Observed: 1,25
